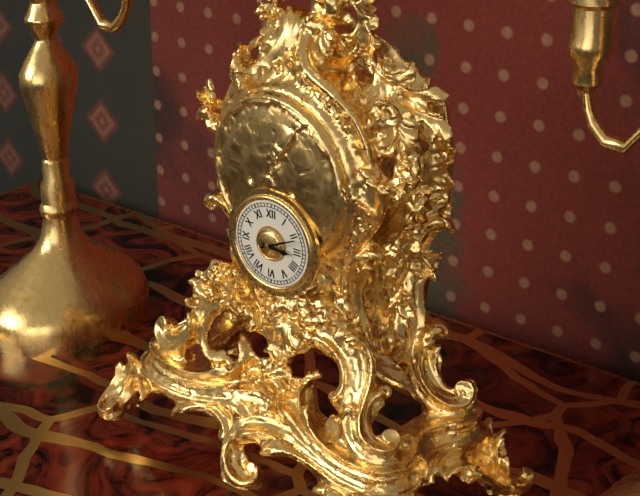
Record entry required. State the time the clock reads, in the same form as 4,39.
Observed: 3,11
